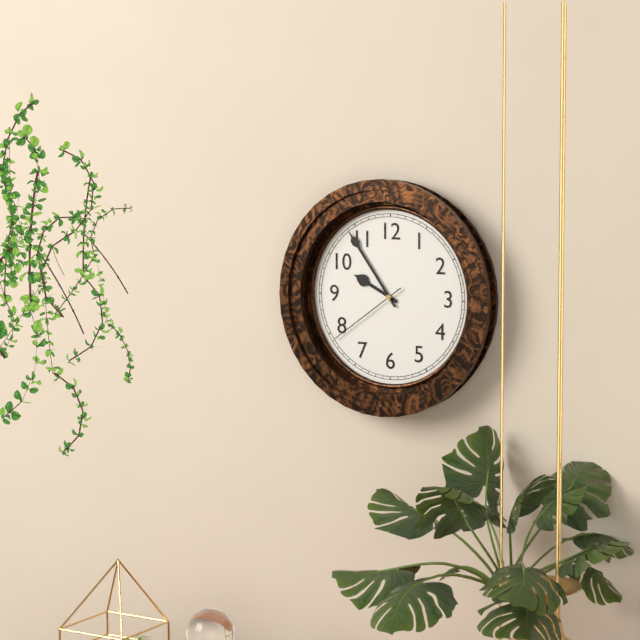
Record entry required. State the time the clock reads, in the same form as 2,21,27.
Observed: 9,54,39
